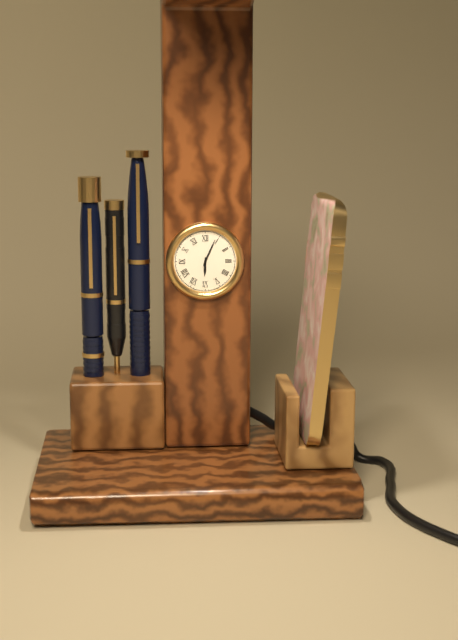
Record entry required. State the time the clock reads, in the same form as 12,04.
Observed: 6,04
